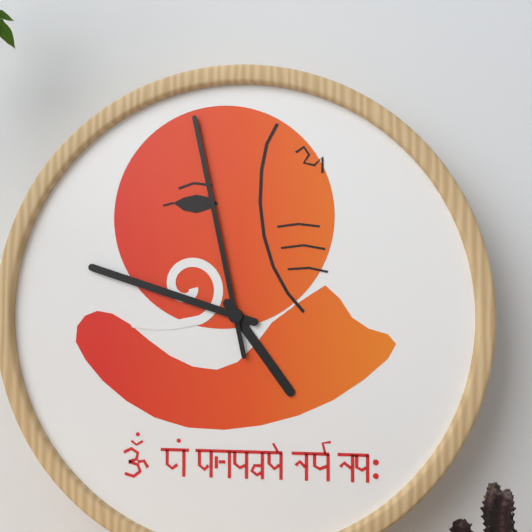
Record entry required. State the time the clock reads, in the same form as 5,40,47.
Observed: 4,48,58
